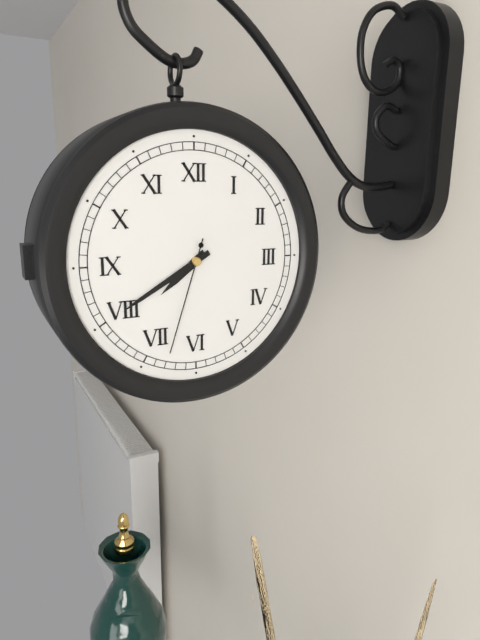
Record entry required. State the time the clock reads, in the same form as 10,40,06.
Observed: 7,40,33
